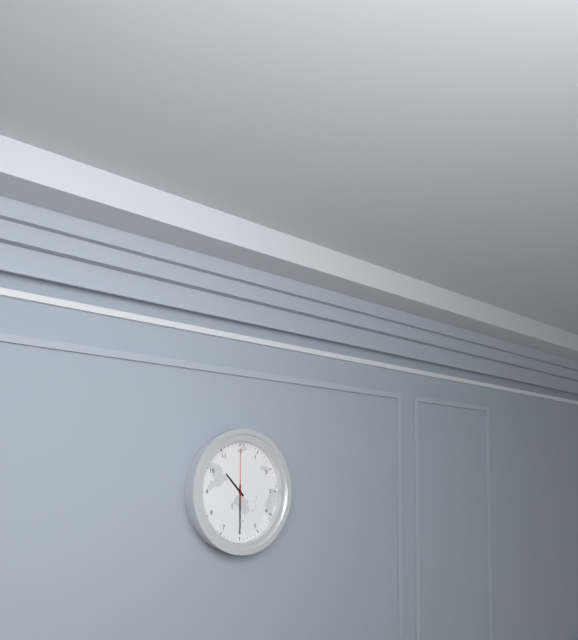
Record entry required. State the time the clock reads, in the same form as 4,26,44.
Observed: 10,30,00
